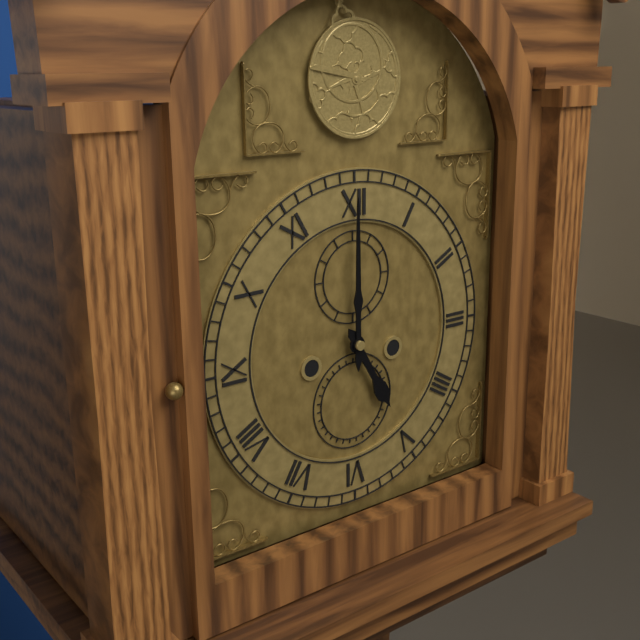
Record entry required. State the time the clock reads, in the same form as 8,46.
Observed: 5,00
